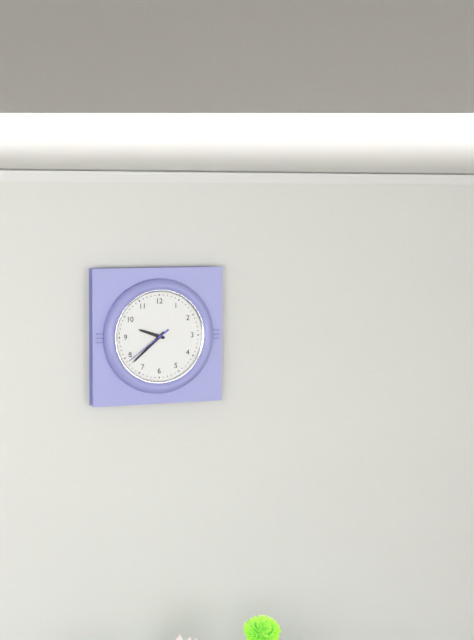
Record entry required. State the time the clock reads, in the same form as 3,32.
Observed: 9,38
